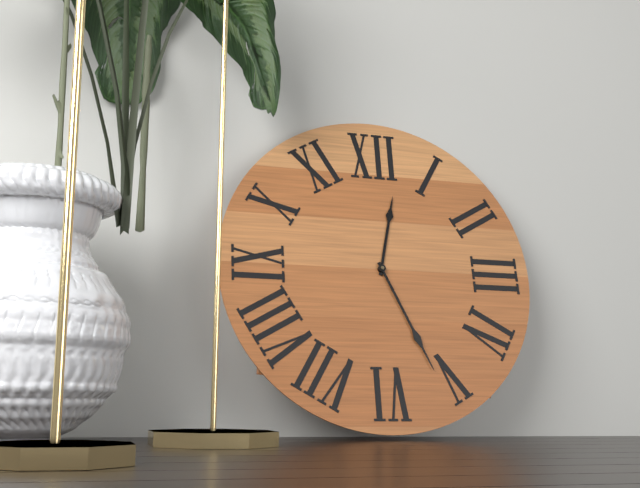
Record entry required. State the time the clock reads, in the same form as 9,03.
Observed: 12,26
